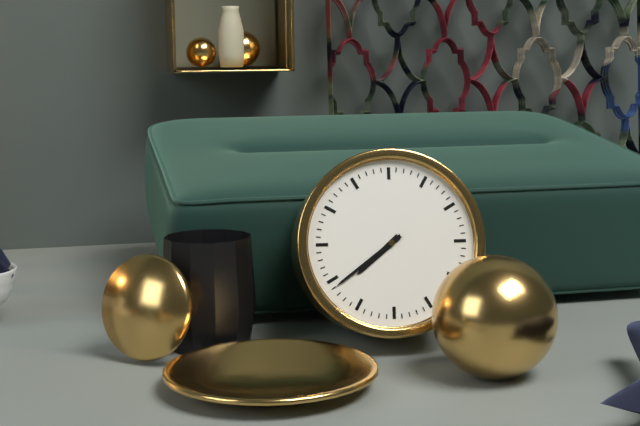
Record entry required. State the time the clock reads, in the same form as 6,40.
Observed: 7,39
